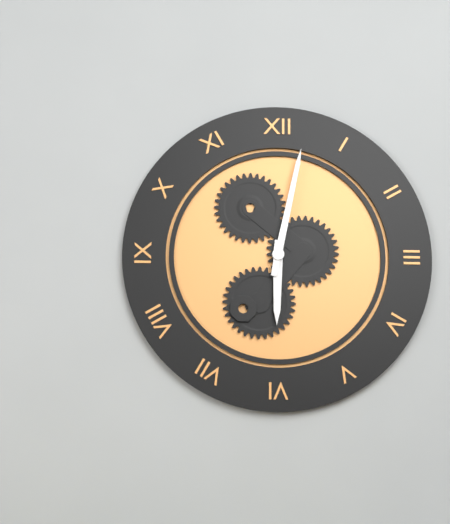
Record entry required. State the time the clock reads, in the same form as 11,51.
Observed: 6,02
